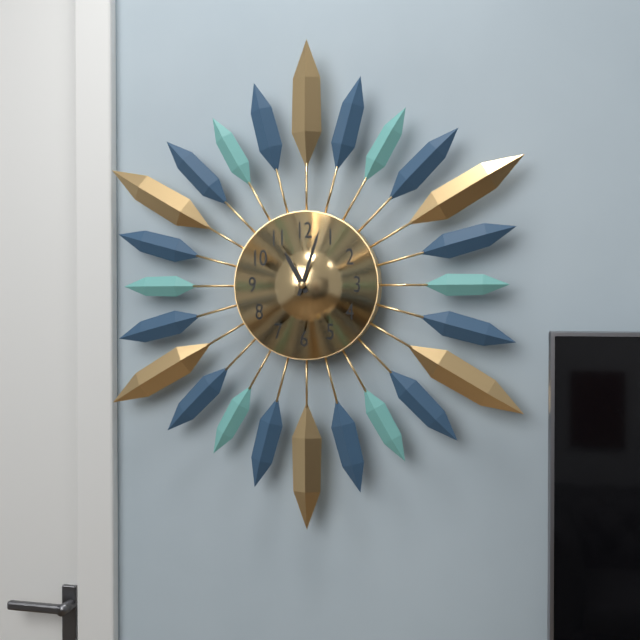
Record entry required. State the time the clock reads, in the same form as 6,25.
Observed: 11,03
